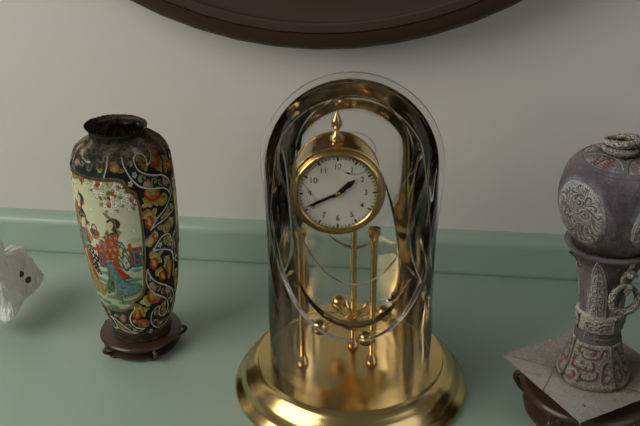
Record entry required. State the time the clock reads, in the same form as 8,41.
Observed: 1,41
